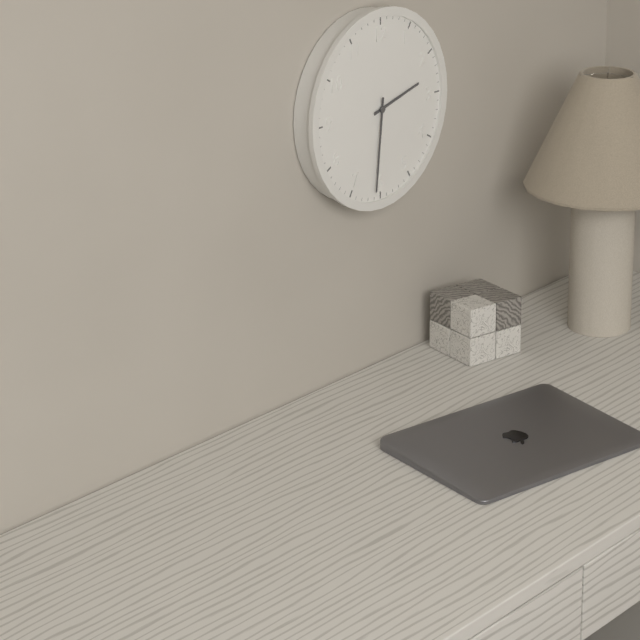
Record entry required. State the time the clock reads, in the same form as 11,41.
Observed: 2,31
